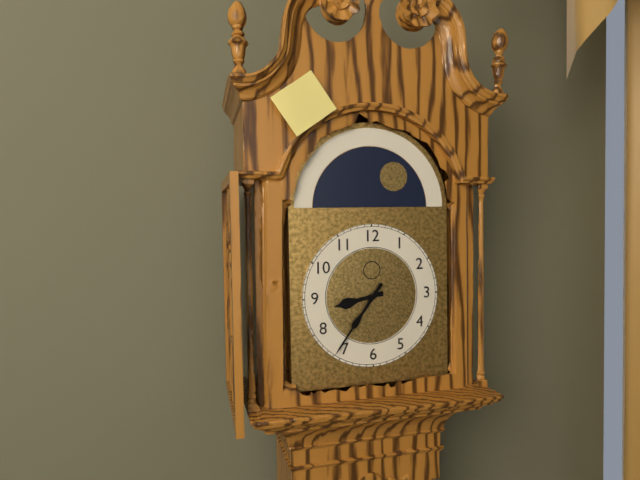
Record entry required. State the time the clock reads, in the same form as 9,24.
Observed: 8,36
